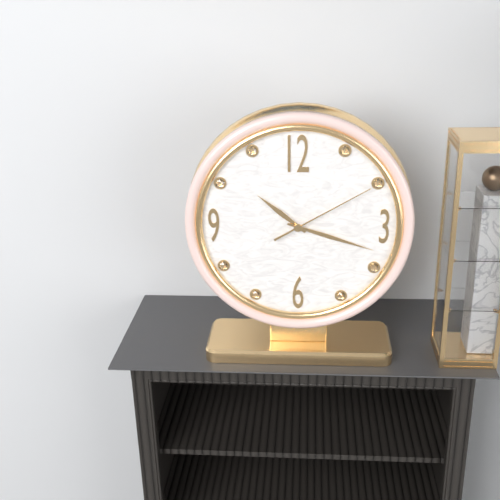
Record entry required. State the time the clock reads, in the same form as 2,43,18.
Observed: 10,18,10
